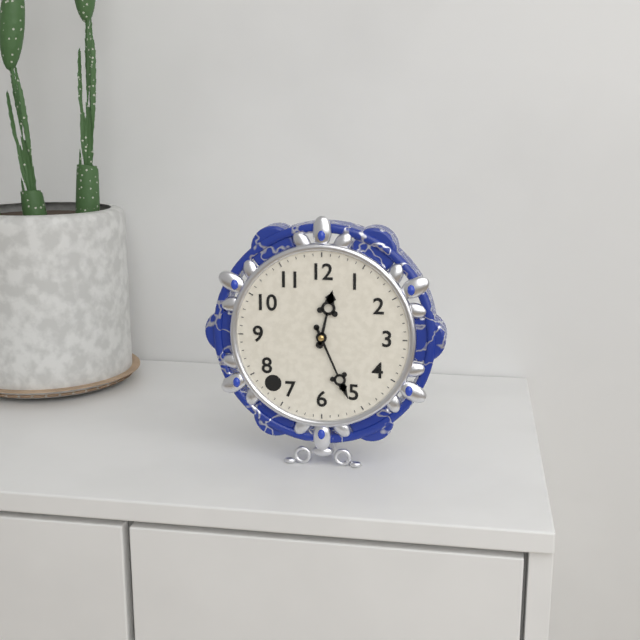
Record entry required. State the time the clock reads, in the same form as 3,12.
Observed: 12,26
